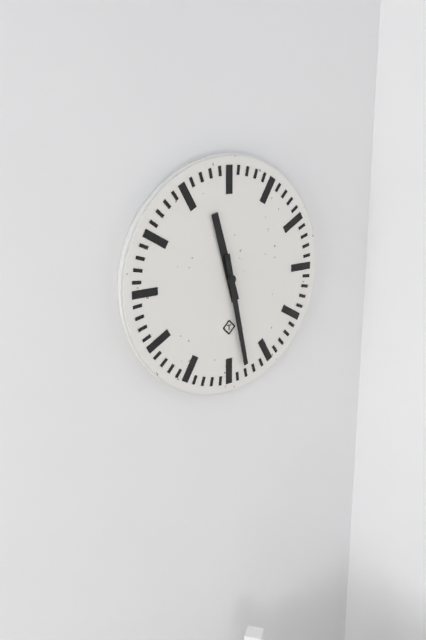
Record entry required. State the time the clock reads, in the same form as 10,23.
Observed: 11,28
